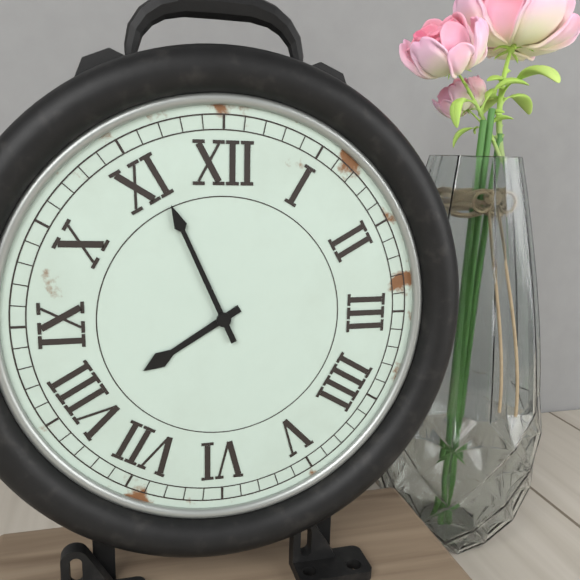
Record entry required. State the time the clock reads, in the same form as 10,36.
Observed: 7,56
